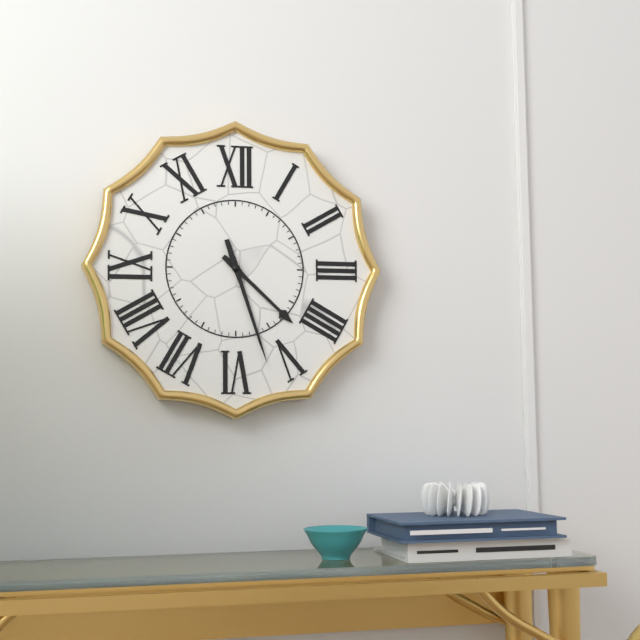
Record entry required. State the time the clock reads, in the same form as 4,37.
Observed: 4,27
